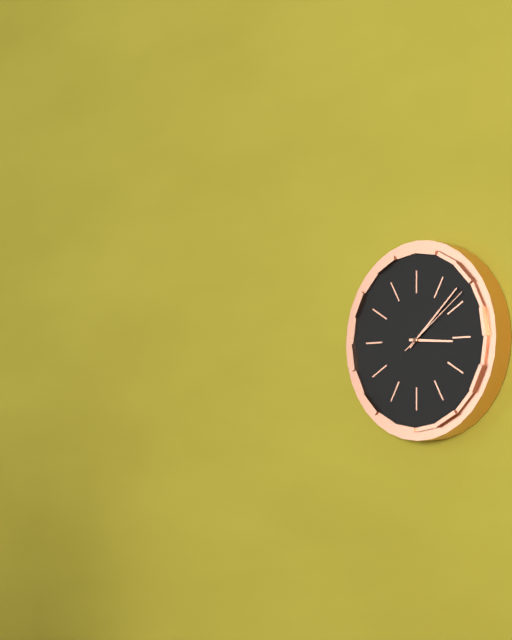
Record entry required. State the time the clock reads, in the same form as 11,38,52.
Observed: 3,08,09
